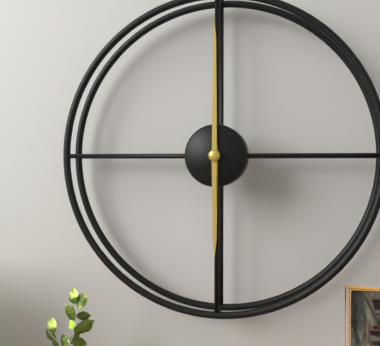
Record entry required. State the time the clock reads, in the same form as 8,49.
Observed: 6,00
